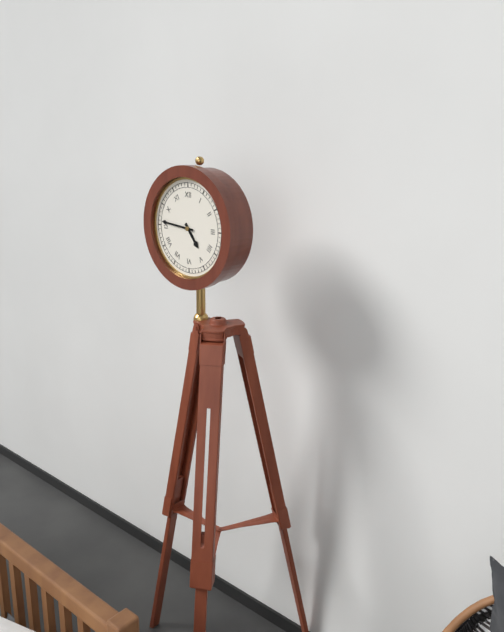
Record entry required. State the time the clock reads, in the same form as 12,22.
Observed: 4,46
